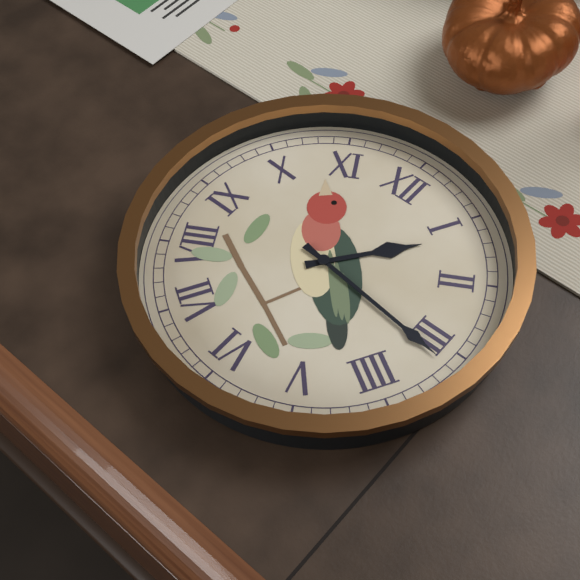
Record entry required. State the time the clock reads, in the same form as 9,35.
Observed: 1,16
